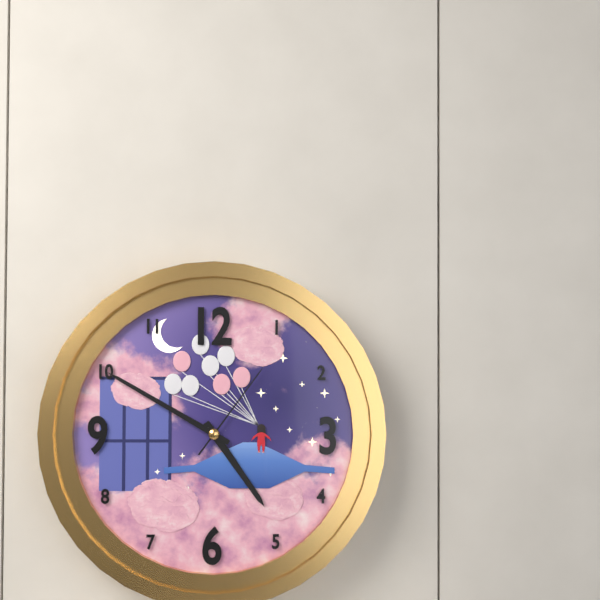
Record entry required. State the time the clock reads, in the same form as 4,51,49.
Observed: 4,50,06
